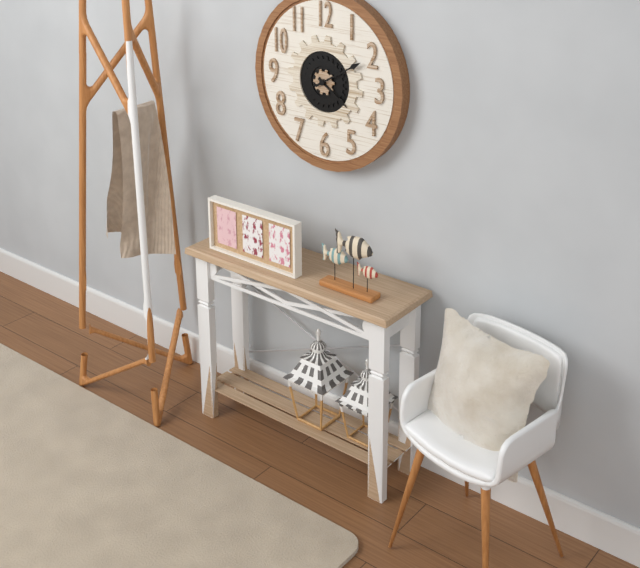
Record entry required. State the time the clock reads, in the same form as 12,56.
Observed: 4,10
